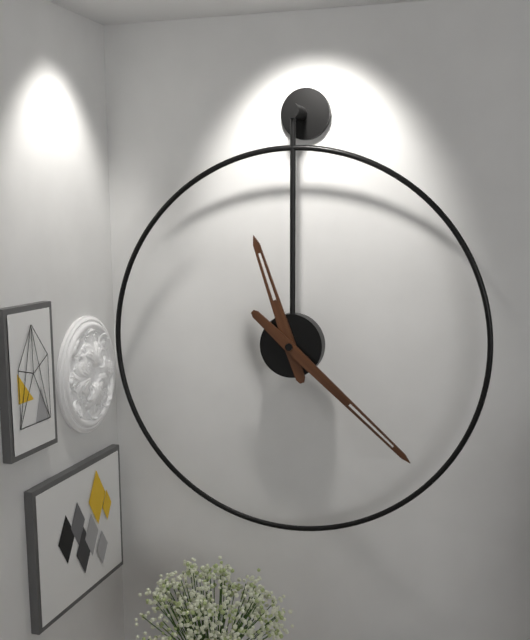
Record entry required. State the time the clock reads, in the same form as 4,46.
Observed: 11,22
